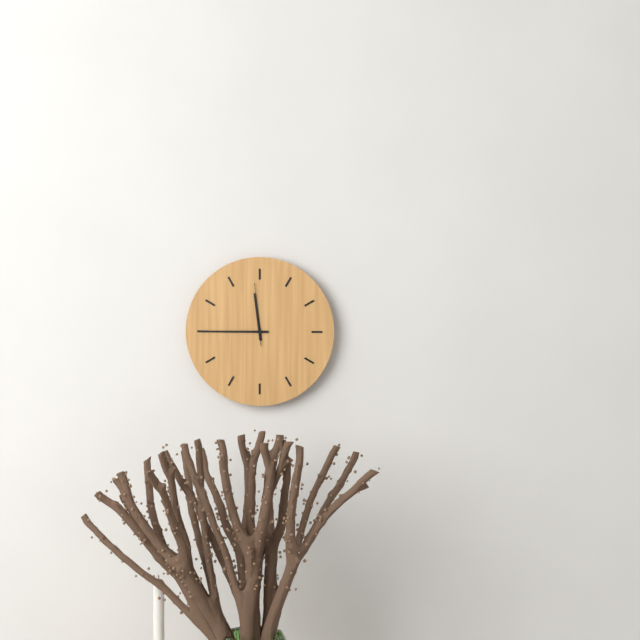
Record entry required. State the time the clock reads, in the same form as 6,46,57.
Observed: 11,45,59
